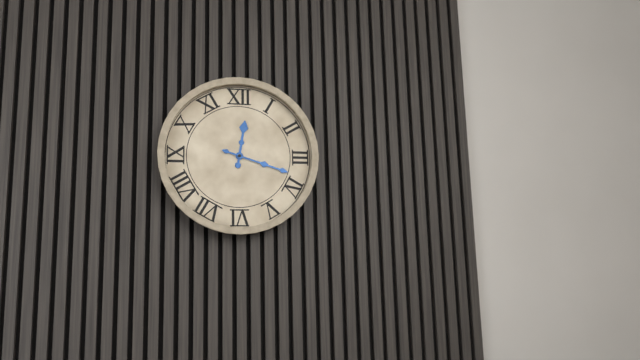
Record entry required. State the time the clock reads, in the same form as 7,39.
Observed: 12,18
